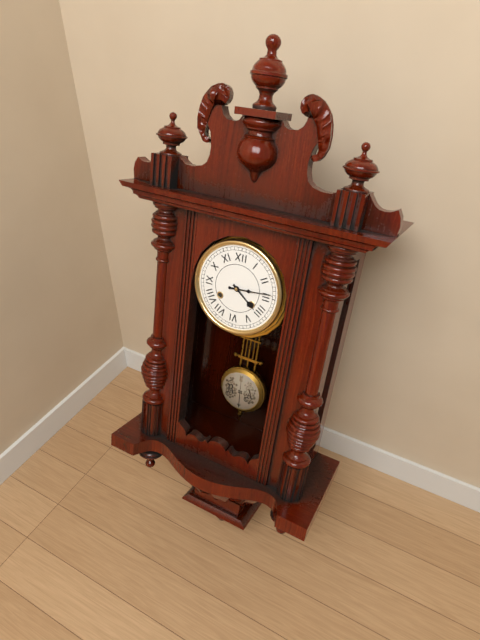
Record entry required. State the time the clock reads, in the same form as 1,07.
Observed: 4,14
